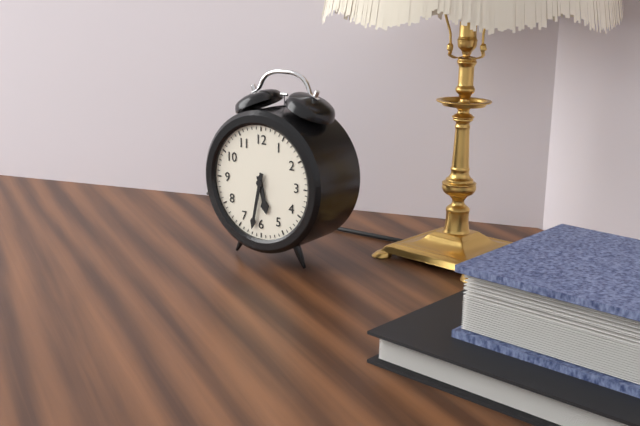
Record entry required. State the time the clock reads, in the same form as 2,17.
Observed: 5,32
